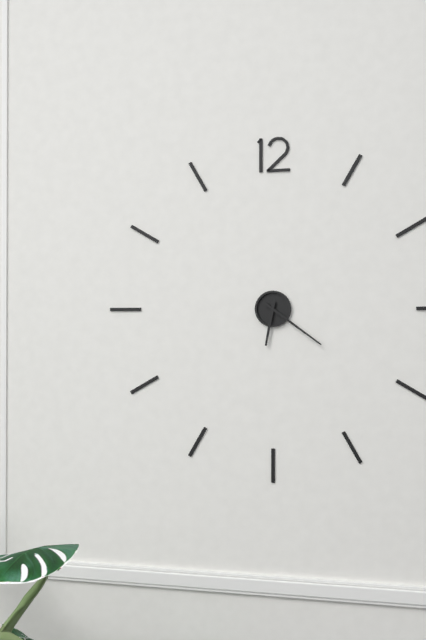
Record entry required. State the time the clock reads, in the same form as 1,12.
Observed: 6,21
